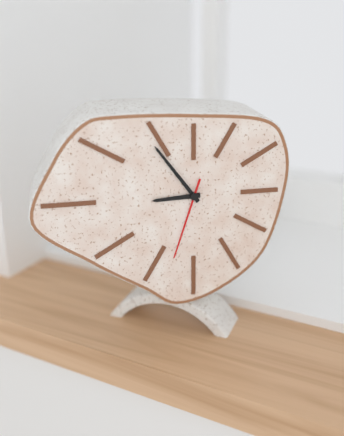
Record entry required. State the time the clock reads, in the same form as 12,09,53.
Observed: 8,54,33
